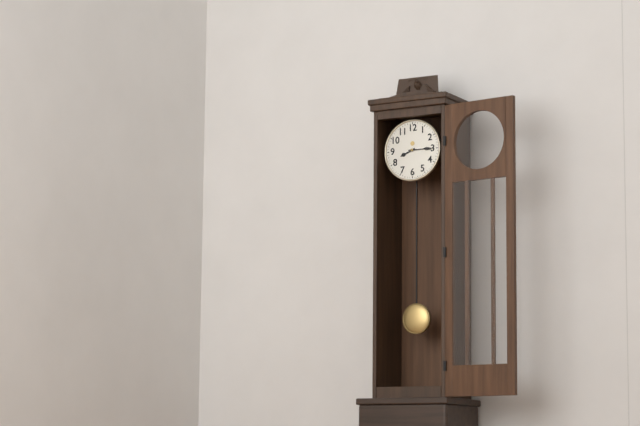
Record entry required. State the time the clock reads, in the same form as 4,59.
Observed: 8,15
